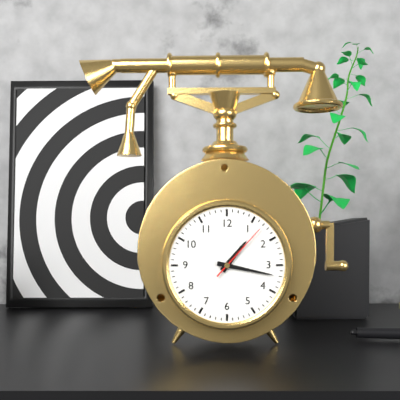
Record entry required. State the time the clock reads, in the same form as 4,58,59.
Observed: 1,17,07
